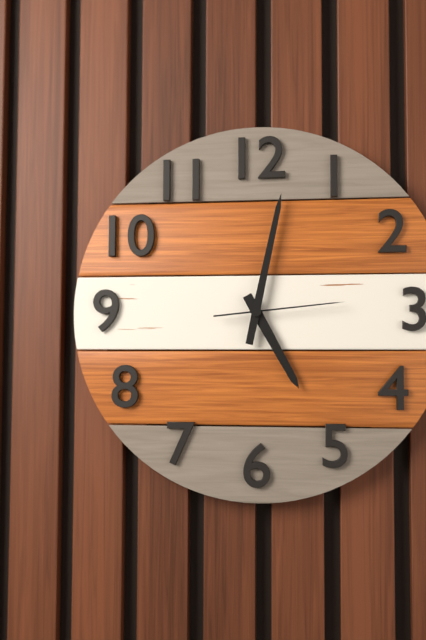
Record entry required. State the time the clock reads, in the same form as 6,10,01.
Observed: 5,02,14
